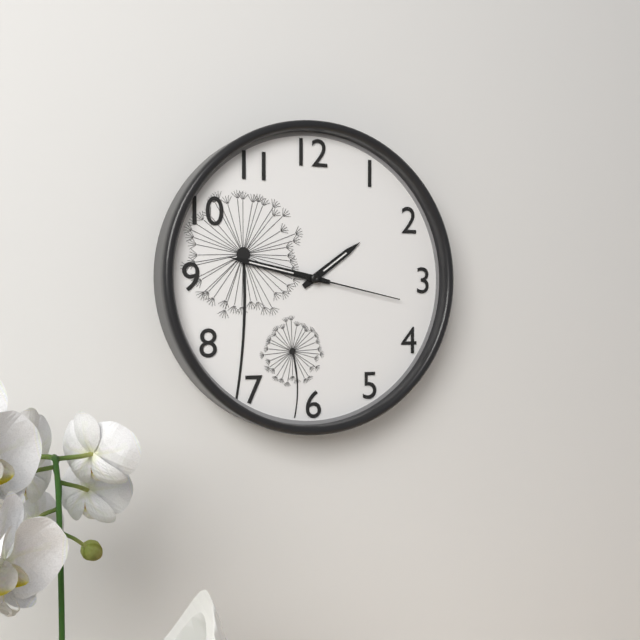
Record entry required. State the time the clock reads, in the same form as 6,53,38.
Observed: 1,47,17
